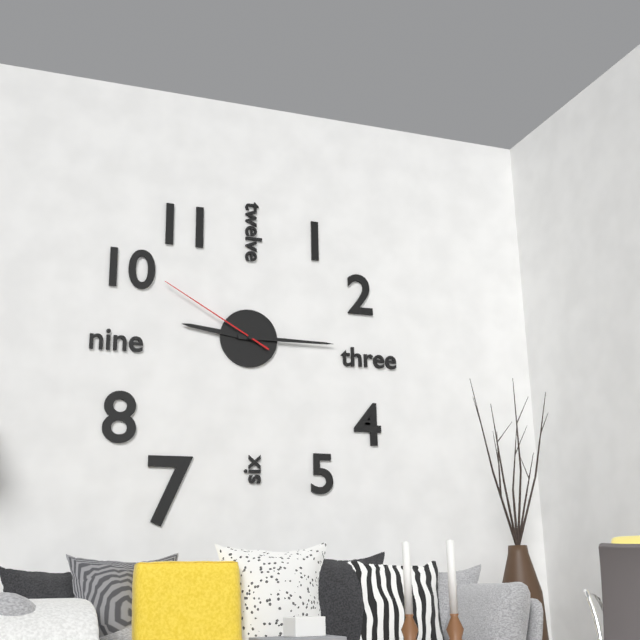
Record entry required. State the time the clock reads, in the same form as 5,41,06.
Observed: 9,15,50
